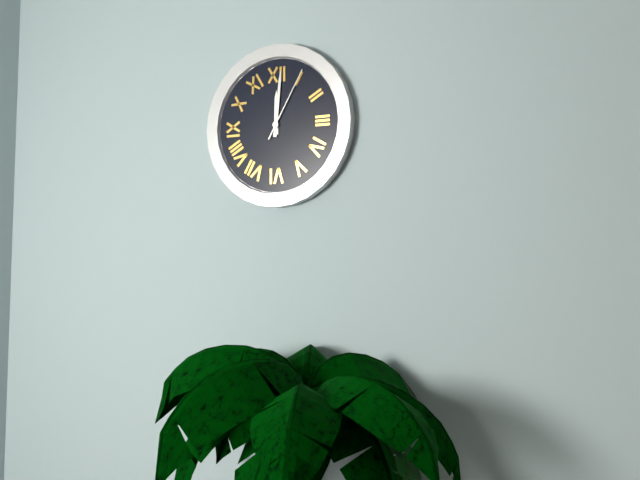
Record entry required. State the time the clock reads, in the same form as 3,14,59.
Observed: 12,01,05
